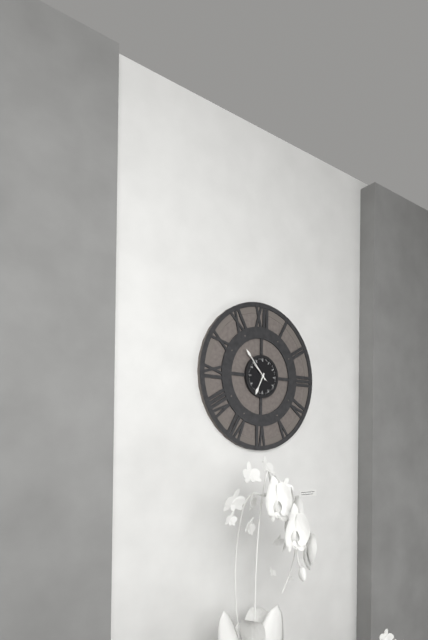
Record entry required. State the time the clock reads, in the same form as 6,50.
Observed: 6,53
